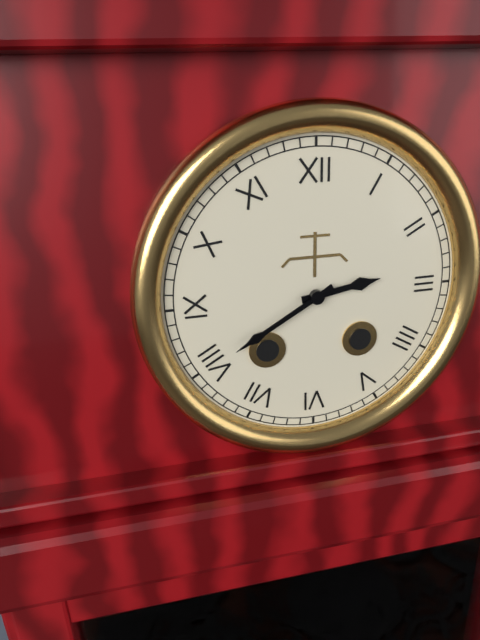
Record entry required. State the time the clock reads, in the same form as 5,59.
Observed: 2,40
